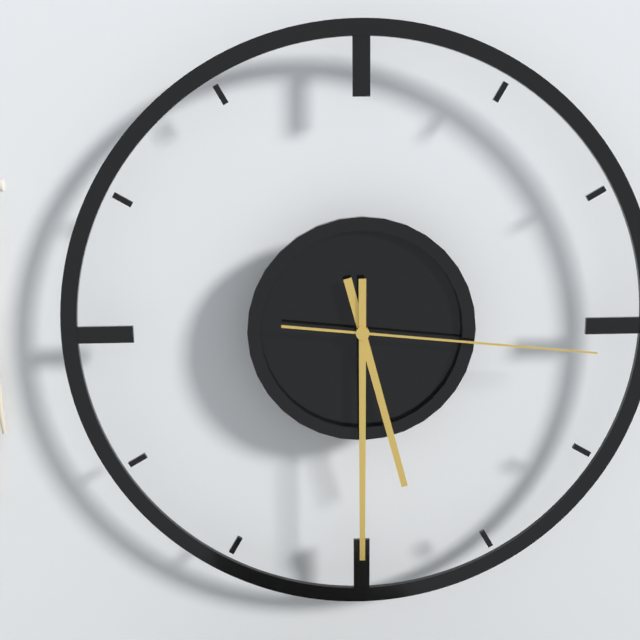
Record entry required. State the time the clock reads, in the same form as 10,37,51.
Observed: 5,30,16
